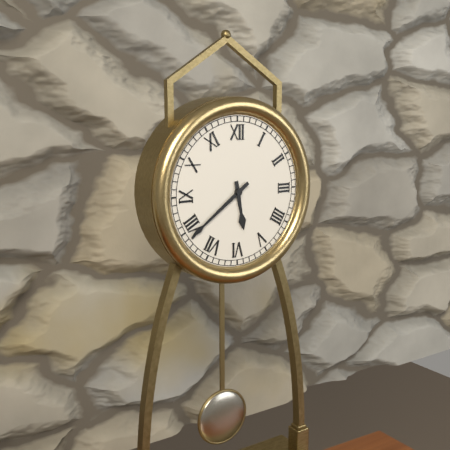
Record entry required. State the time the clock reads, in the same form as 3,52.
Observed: 5,39
